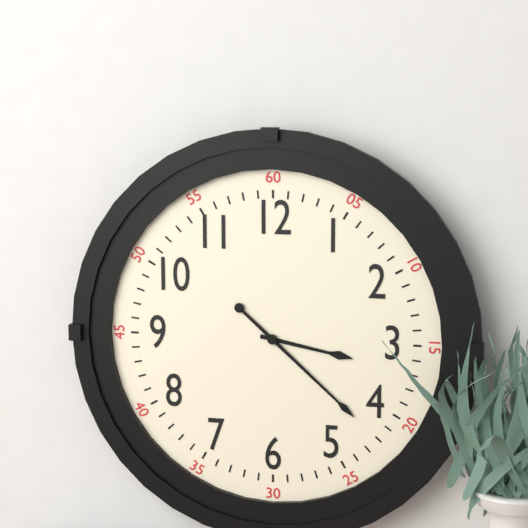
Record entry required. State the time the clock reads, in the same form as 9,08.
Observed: 3,22
